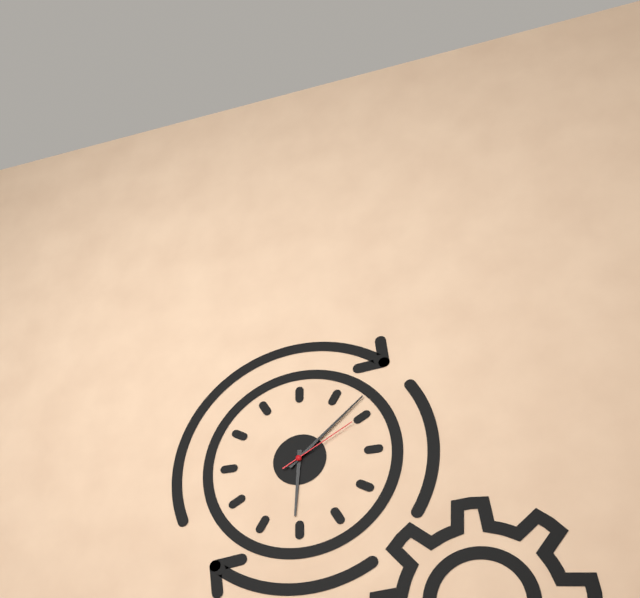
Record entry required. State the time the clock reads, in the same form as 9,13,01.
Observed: 6,08,10
